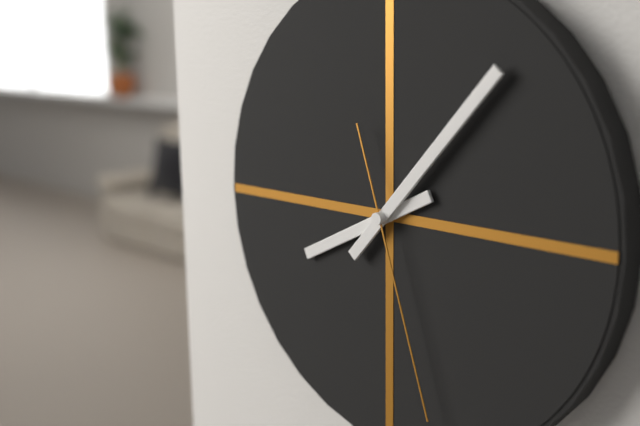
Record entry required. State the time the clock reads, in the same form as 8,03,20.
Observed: 8,07,27
